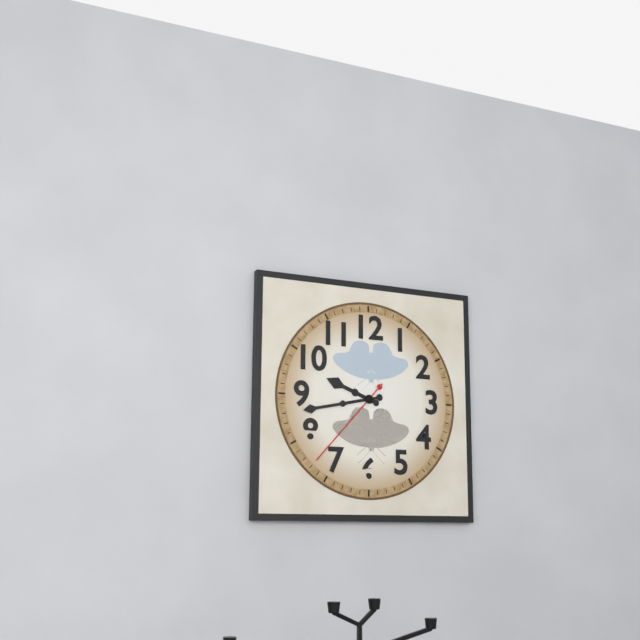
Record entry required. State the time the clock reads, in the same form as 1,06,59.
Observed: 9,43,37
